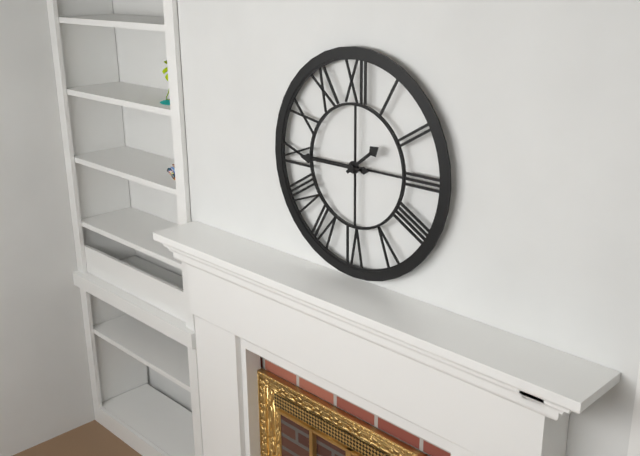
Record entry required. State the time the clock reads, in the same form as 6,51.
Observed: 1,45
